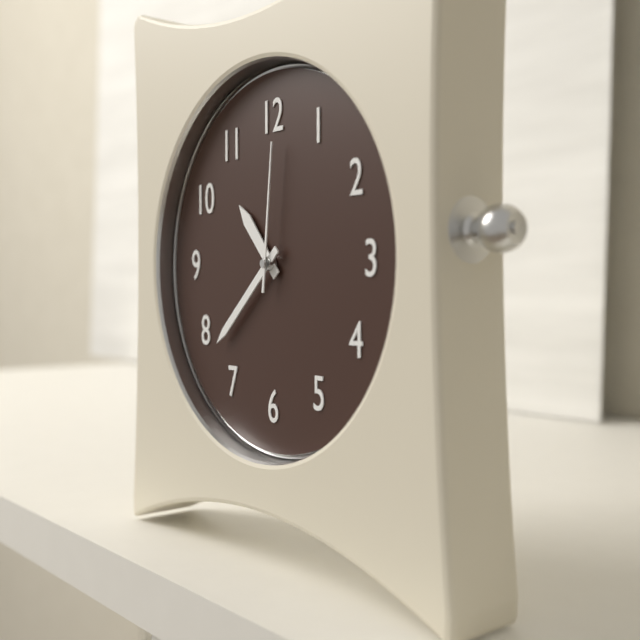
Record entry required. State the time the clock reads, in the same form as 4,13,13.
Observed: 10,38,01
